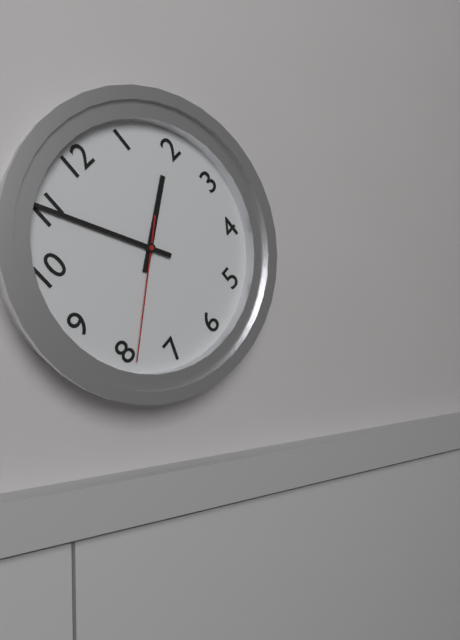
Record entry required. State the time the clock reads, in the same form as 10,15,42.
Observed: 1,55,39
